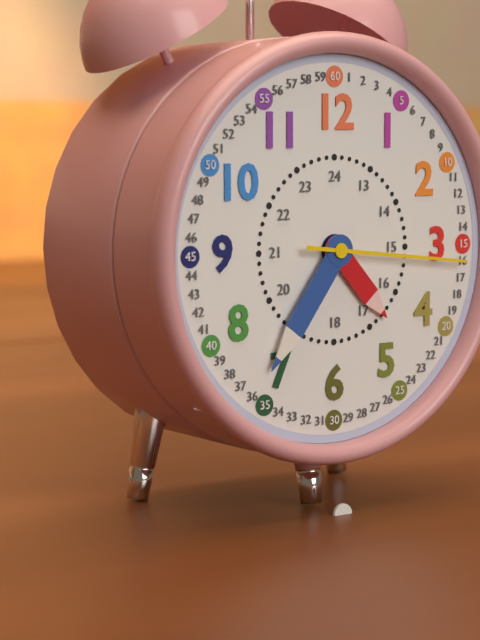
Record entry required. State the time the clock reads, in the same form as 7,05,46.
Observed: 4,36,16
